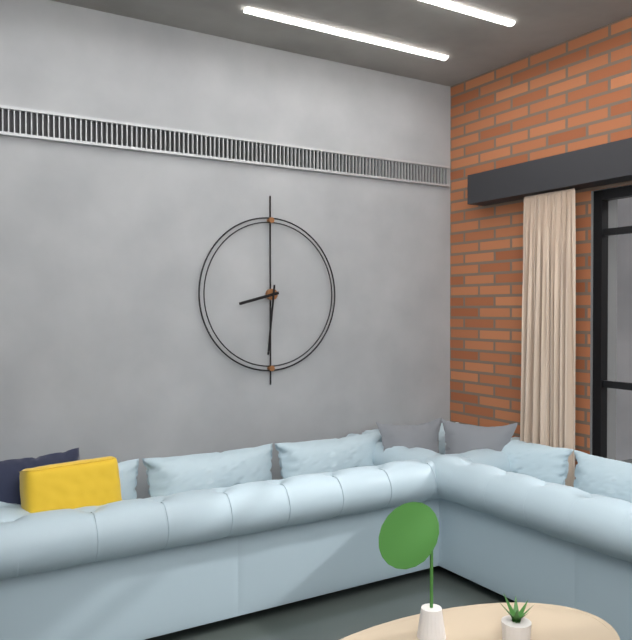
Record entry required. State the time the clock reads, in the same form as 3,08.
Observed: 8,31
